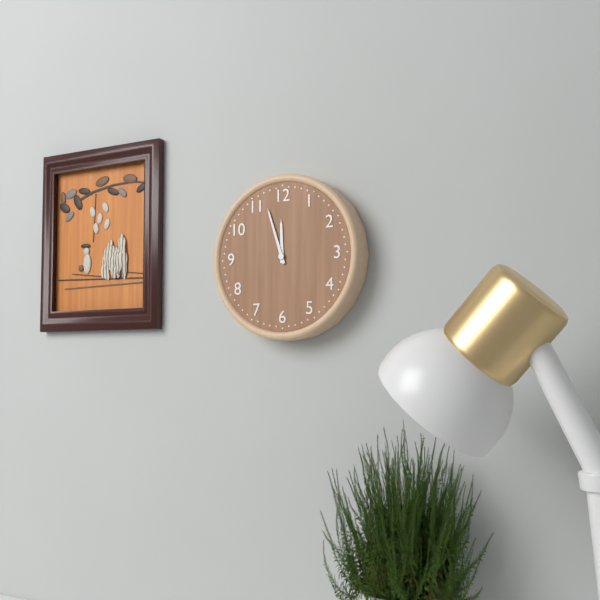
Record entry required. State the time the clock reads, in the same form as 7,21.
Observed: 11,57
